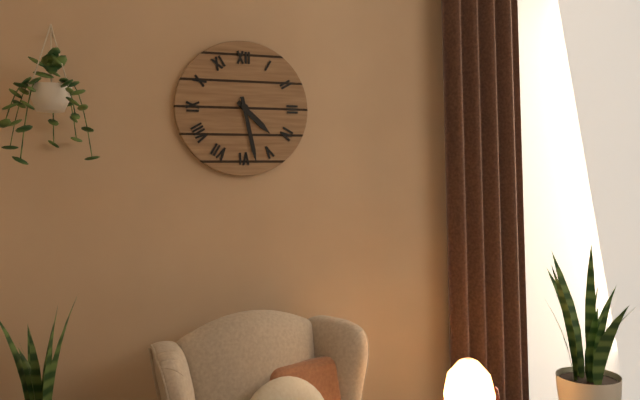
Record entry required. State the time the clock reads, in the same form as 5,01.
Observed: 4,28
